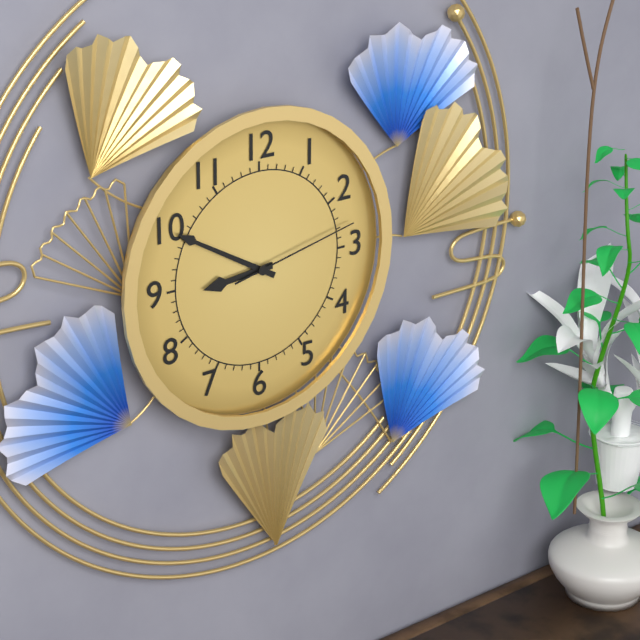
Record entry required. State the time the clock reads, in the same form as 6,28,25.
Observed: 8,50,13
